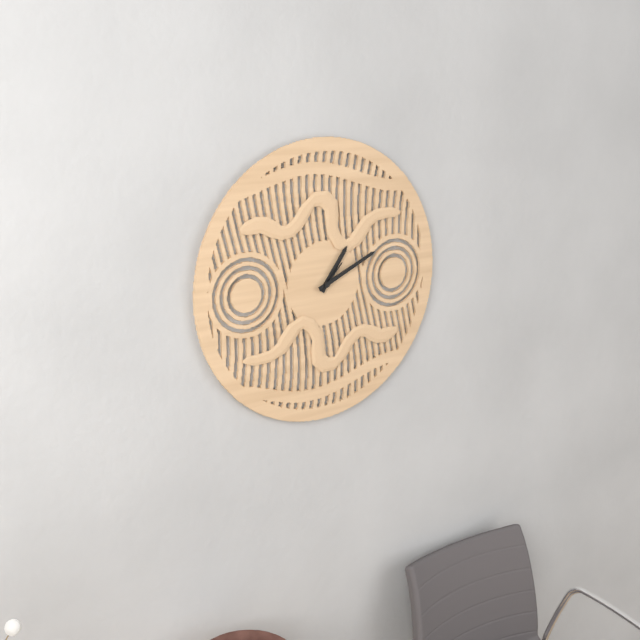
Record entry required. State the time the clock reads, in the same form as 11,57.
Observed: 1,11
